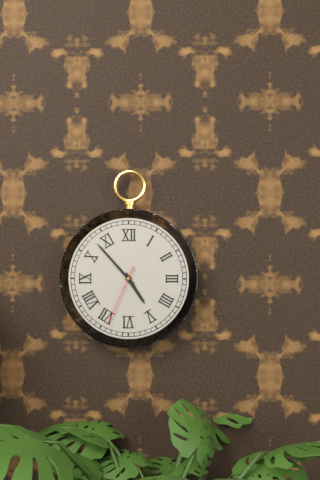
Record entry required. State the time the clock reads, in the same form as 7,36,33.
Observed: 4,53,34
